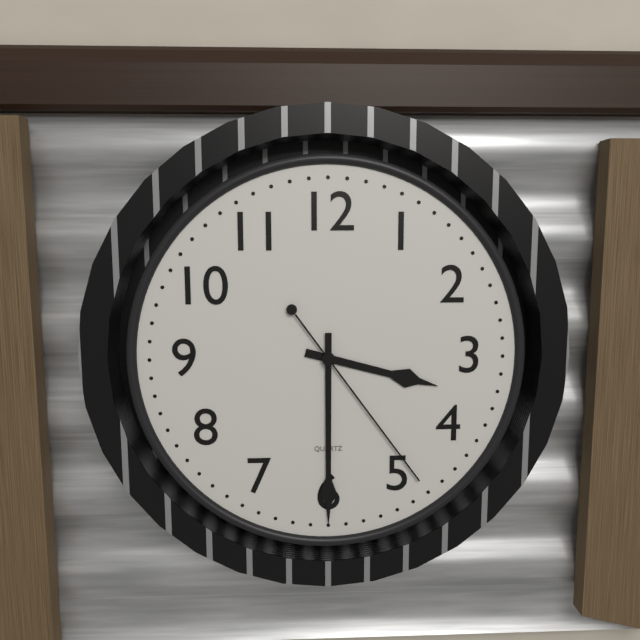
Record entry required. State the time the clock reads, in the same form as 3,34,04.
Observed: 3,30,24
